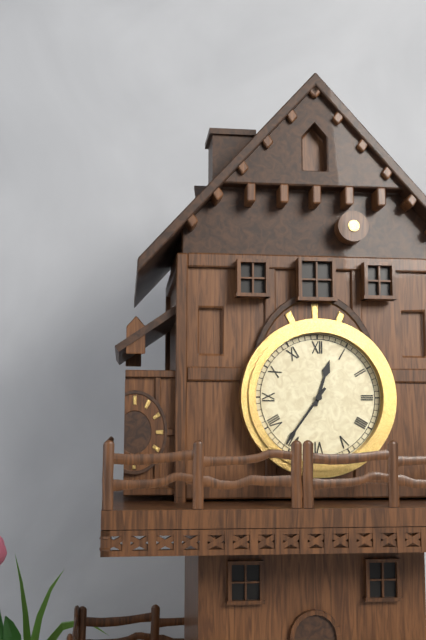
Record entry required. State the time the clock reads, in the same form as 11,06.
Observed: 12,36
